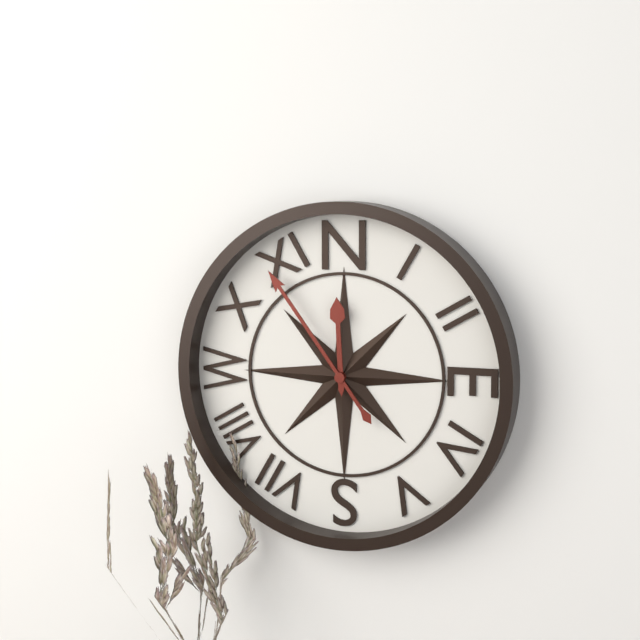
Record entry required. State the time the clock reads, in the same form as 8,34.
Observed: 11,54
